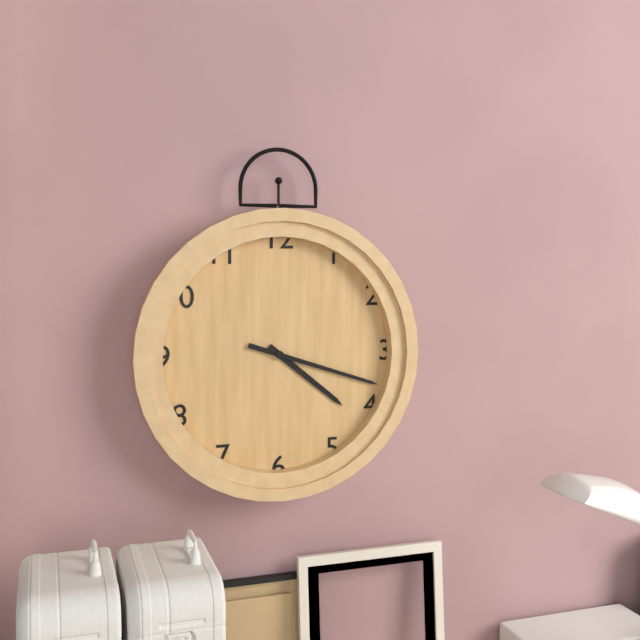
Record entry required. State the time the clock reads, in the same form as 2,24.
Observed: 4,18
